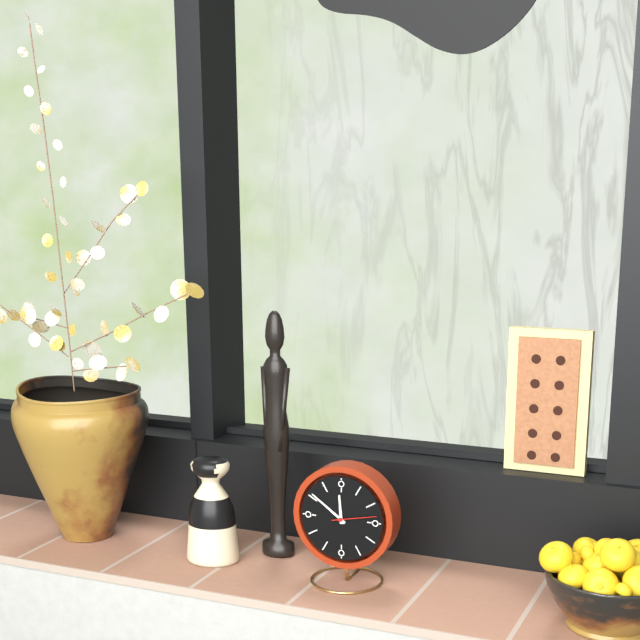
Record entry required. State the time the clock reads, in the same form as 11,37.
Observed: 11,51
